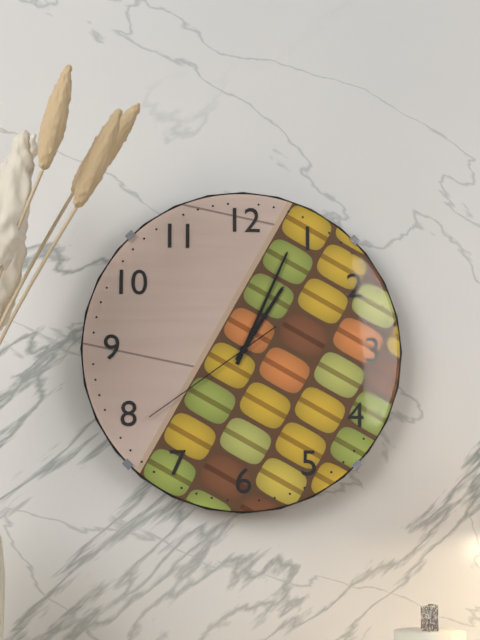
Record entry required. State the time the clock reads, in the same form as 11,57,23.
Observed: 1,04,39
